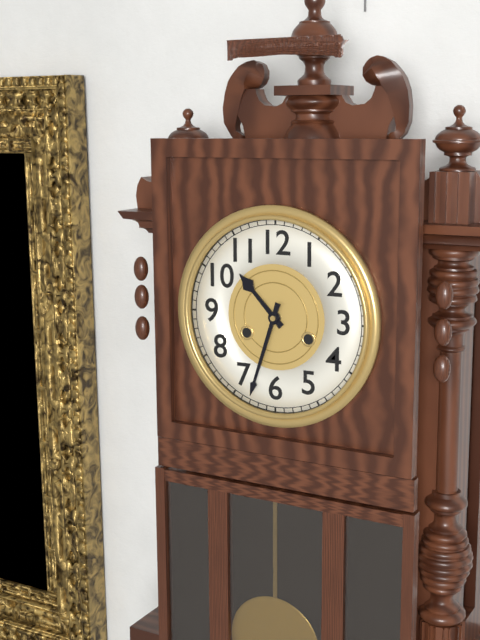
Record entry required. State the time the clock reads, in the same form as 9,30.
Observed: 10,33
